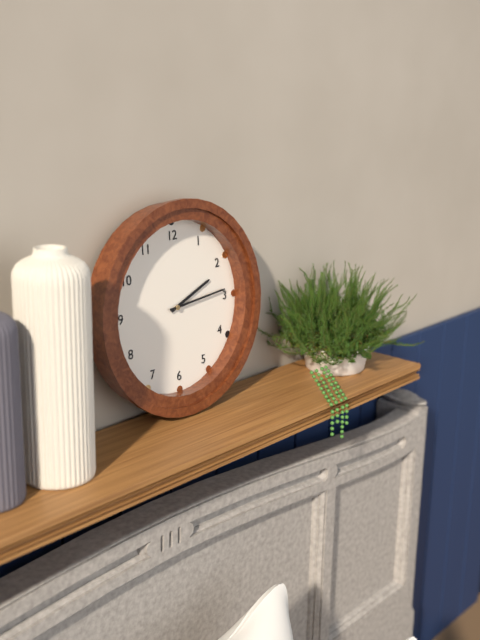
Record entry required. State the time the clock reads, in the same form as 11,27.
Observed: 2,14
